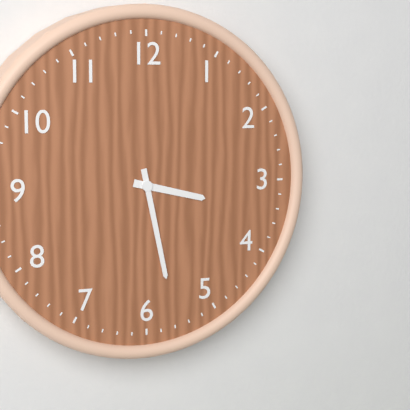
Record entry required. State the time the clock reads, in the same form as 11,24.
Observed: 3,28
